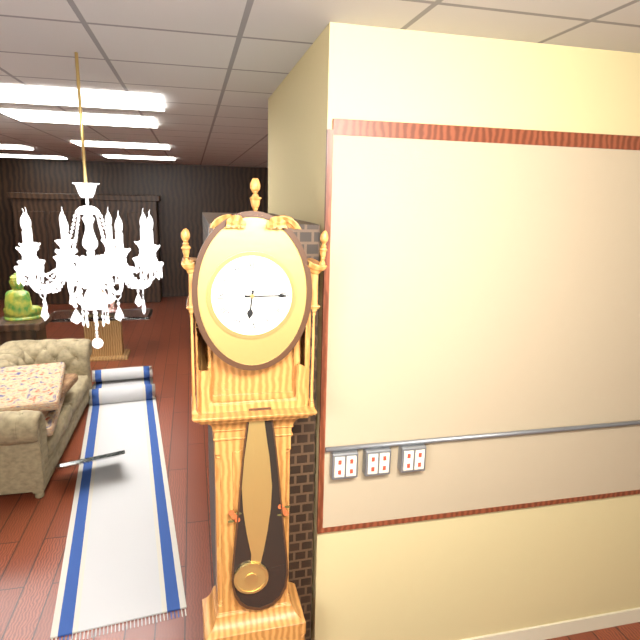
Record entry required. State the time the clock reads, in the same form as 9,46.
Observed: 6,15
